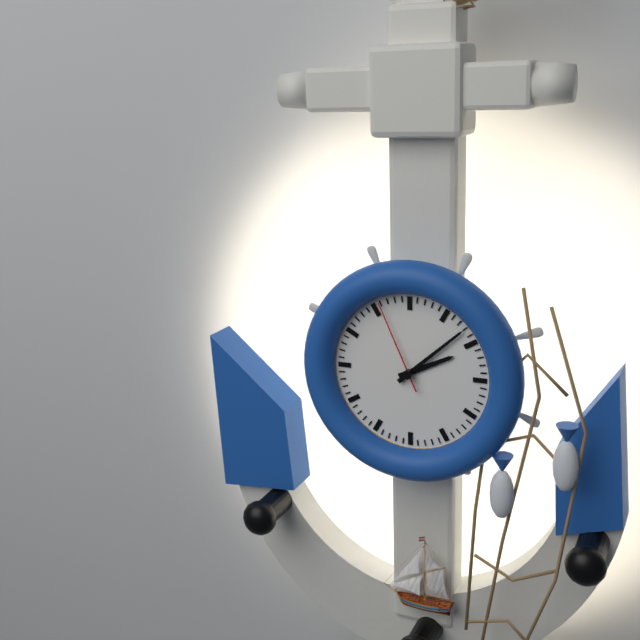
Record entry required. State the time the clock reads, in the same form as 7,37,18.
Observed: 2,08,56
